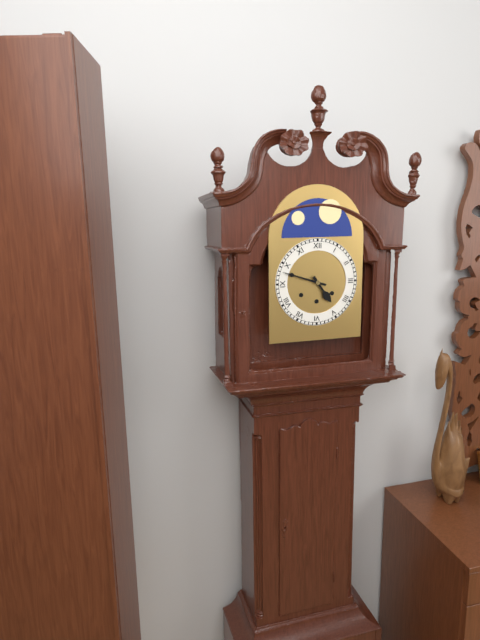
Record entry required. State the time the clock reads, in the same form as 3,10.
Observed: 4,48
